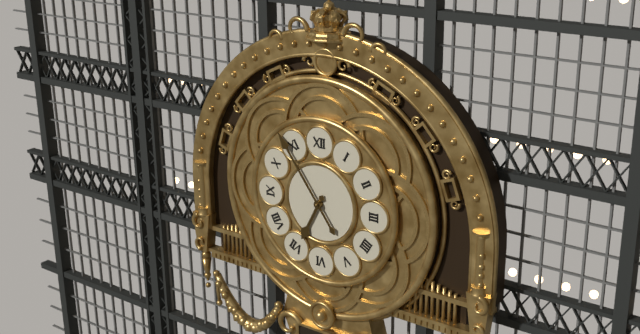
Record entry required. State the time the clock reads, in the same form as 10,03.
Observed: 6,54
